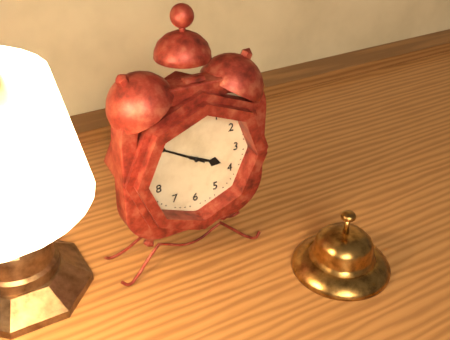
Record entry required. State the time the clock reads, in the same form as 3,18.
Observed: 3,50
